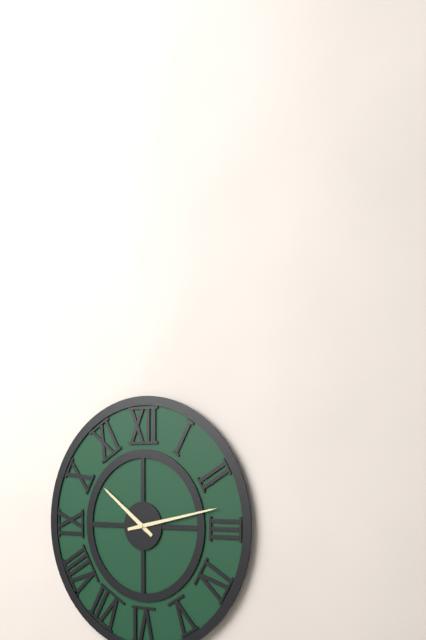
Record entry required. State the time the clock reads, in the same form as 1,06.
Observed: 10,13
